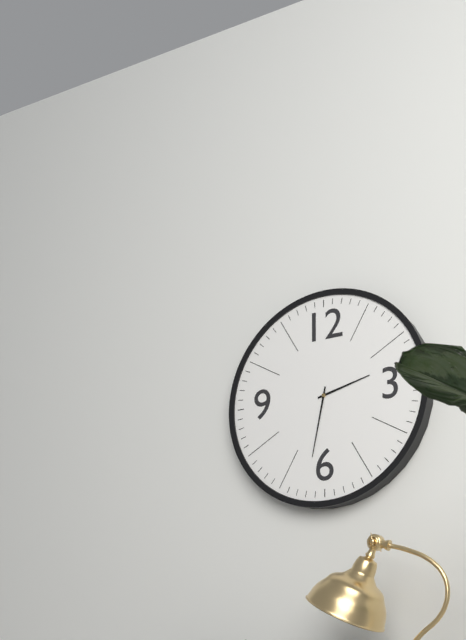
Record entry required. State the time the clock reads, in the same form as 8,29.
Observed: 2,32
